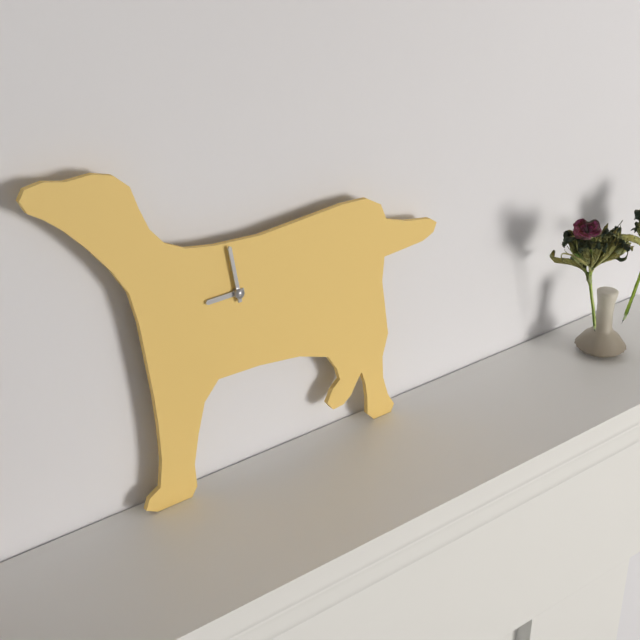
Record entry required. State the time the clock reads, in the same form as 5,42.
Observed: 8,58
